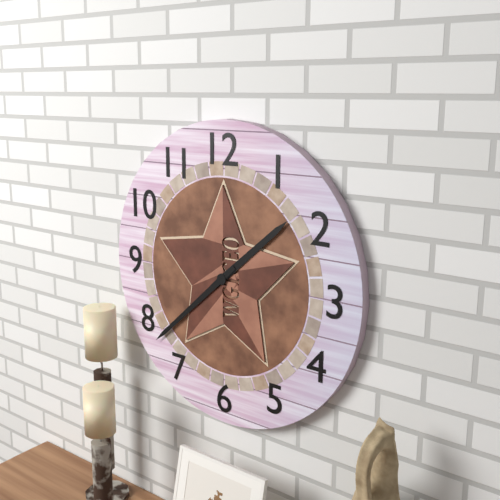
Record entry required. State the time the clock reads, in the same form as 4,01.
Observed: 1,38
